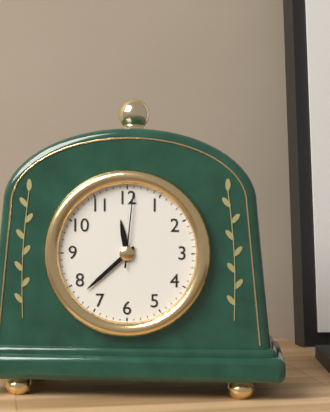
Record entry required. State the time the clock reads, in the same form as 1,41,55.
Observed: 11,38,01
